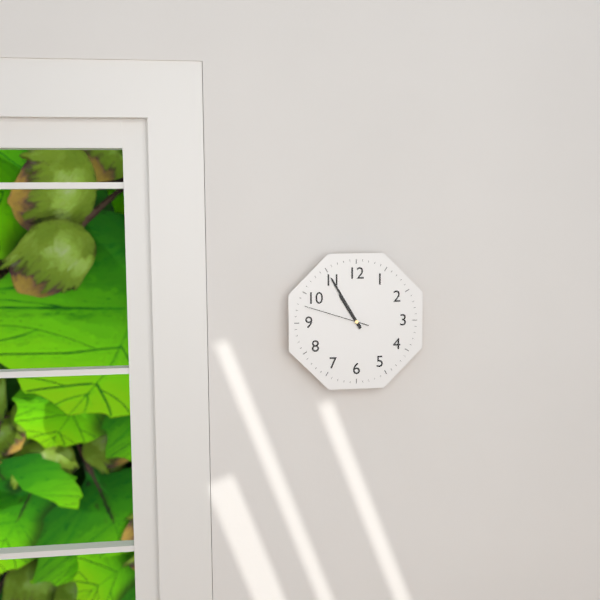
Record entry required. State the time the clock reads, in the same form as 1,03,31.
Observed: 10,55,48
